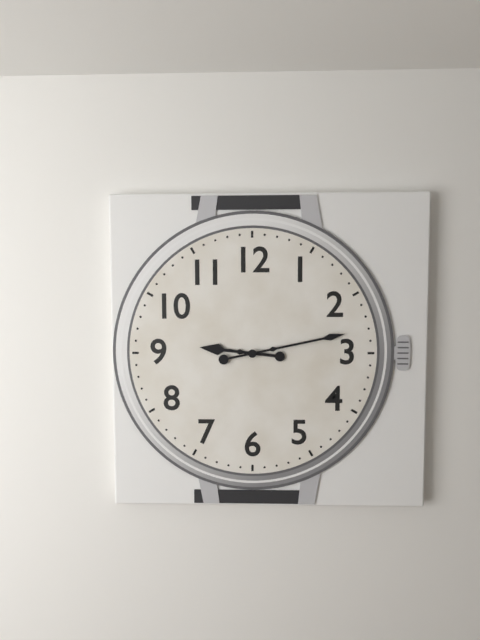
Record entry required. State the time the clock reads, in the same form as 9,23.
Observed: 9,13
